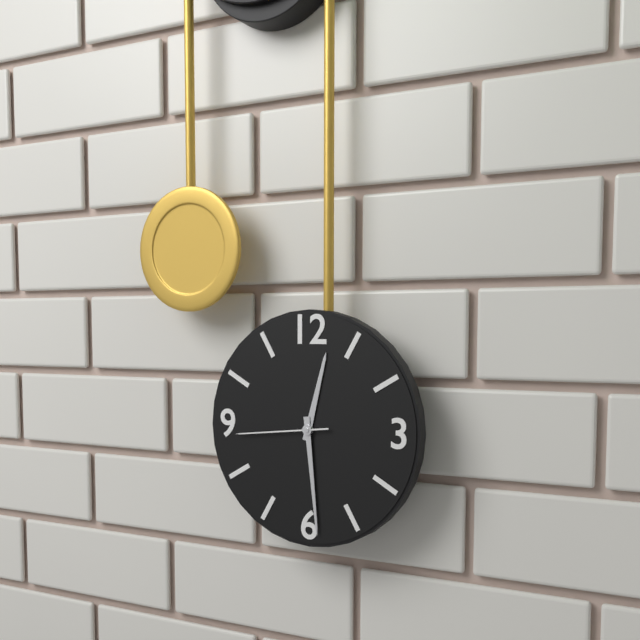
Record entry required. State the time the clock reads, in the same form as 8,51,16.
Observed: 12,29,44
